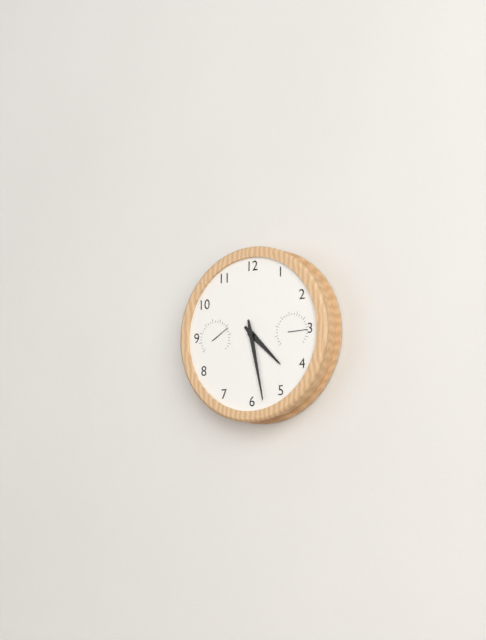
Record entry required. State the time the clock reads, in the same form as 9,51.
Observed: 4,28
